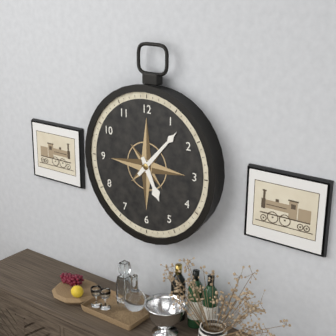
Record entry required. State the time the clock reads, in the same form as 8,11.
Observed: 5,07
